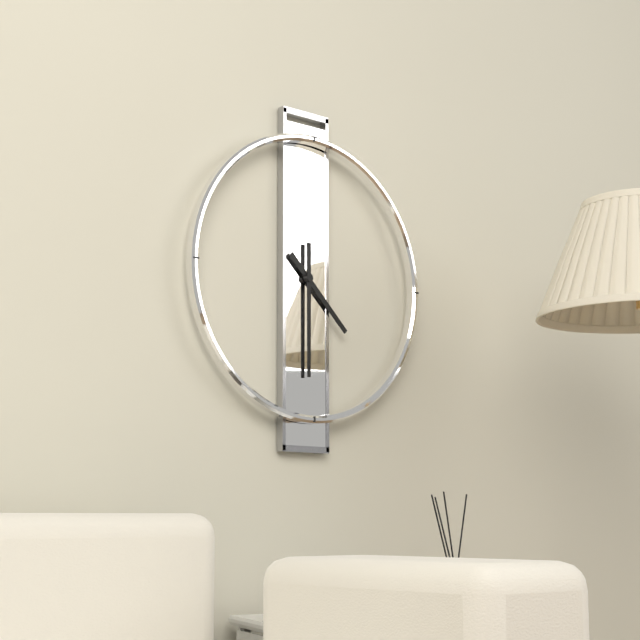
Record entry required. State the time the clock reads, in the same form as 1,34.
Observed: 4,30
